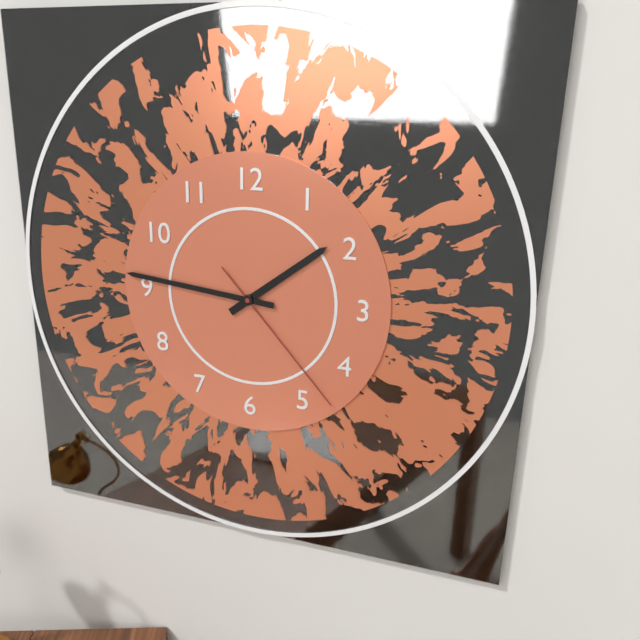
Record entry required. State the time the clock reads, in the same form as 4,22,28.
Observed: 1,46,23
